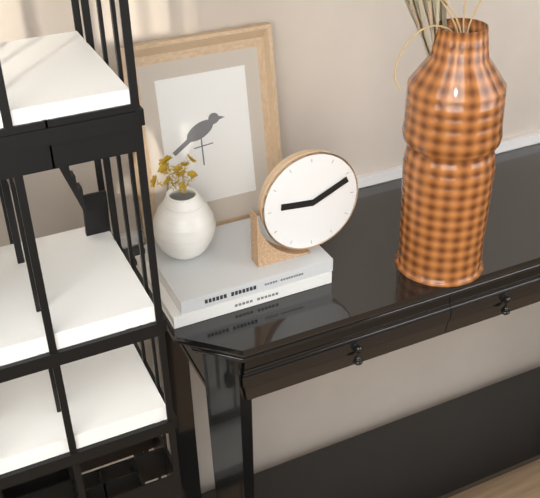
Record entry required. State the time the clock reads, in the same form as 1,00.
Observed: 9,11
